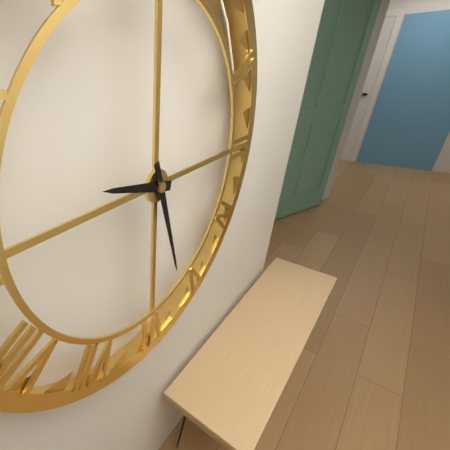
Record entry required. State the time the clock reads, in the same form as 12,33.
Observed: 9,27
